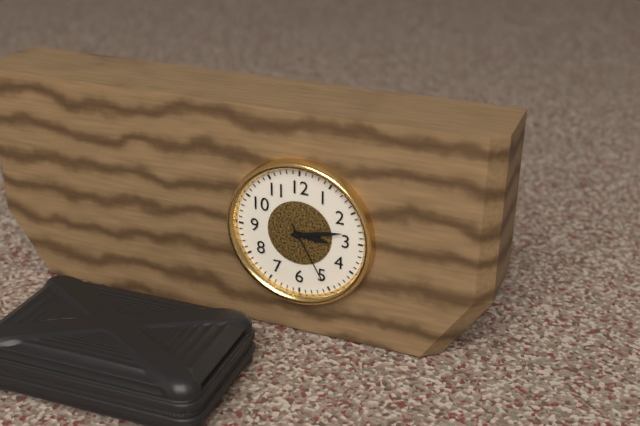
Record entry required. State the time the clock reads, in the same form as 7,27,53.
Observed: 3,13,25
